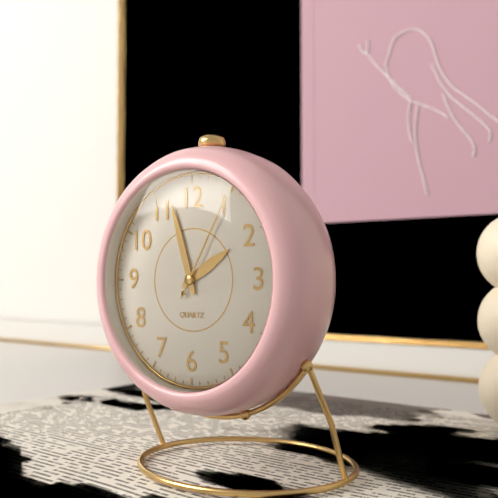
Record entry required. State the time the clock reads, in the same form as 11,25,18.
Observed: 1,57,05
